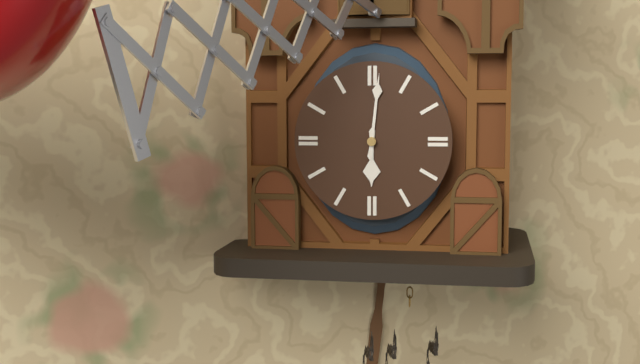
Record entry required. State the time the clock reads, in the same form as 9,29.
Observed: 6,01
